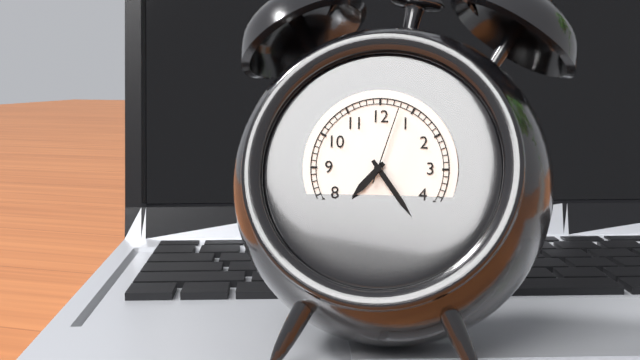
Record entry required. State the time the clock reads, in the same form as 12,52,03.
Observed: 7,24,03
